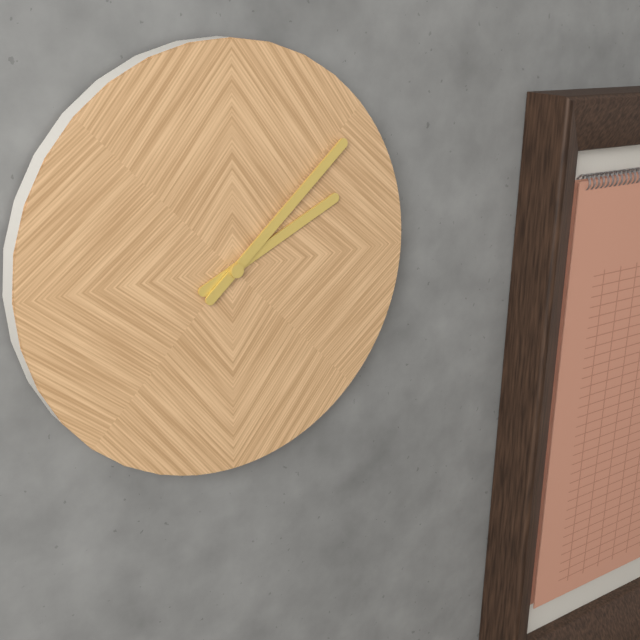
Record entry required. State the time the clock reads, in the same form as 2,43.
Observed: 2,08
